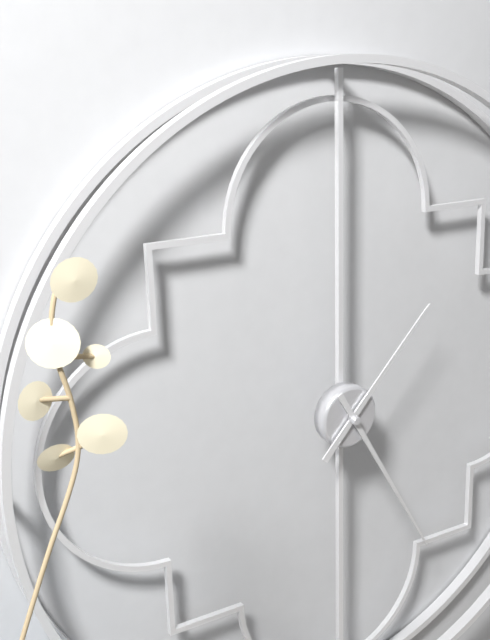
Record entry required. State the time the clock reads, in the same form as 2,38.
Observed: 1,25
